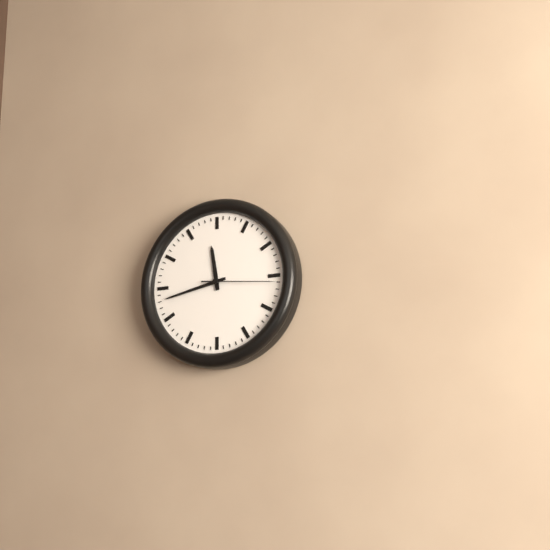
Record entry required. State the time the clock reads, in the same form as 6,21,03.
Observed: 11,43,16
